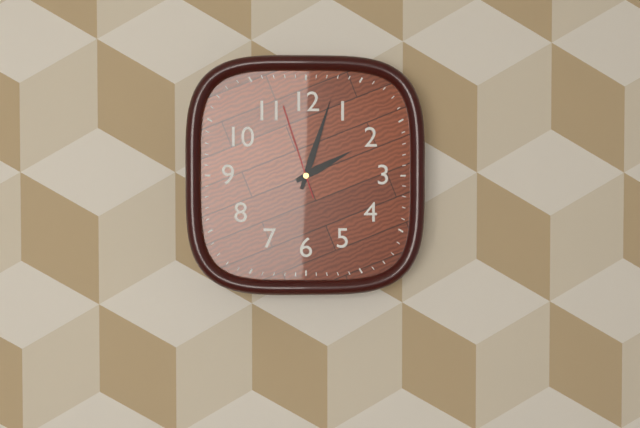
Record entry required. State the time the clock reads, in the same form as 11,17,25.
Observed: 2,03,57
